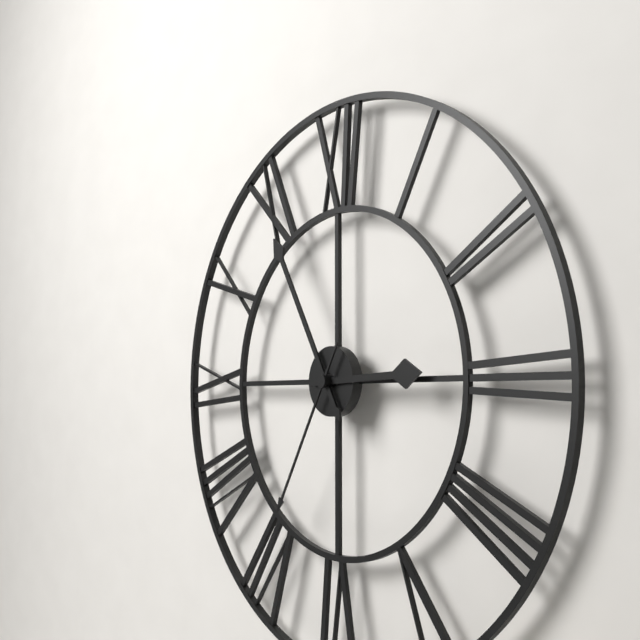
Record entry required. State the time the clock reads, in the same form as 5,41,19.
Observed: 2,55,35
